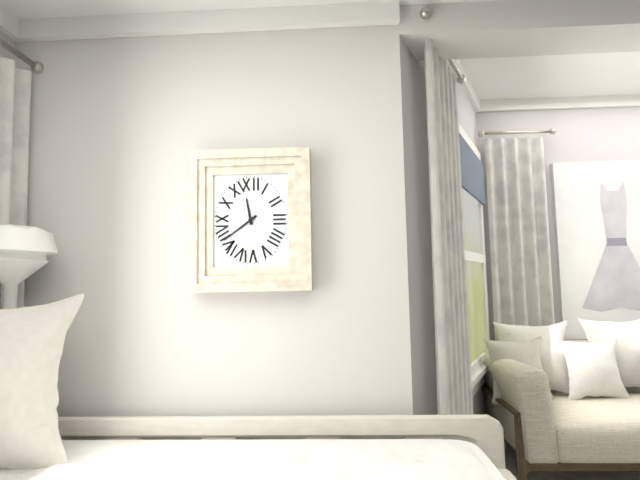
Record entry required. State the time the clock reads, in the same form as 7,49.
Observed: 11,39
